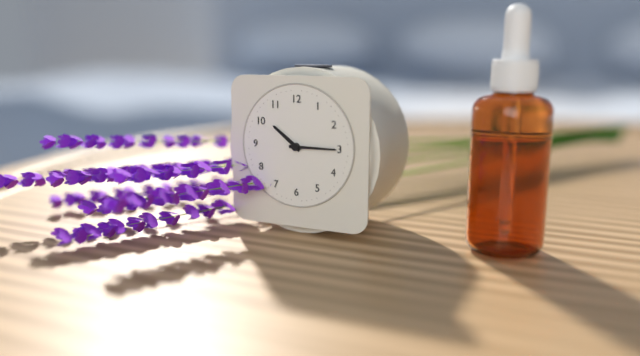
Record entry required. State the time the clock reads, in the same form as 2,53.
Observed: 10,15
